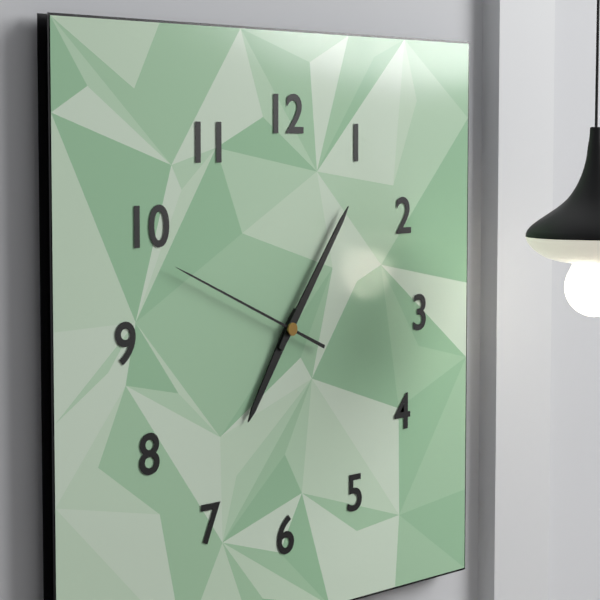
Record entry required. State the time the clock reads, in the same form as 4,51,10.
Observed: 7,06,49
